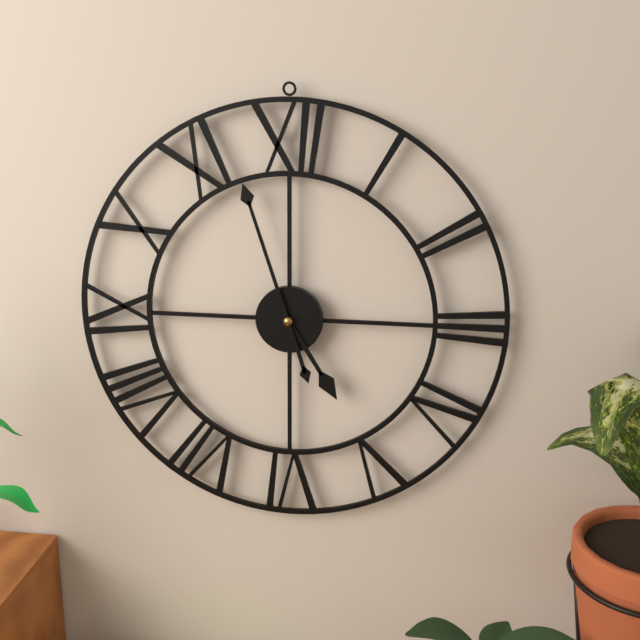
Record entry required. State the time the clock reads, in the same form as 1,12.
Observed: 4,57
